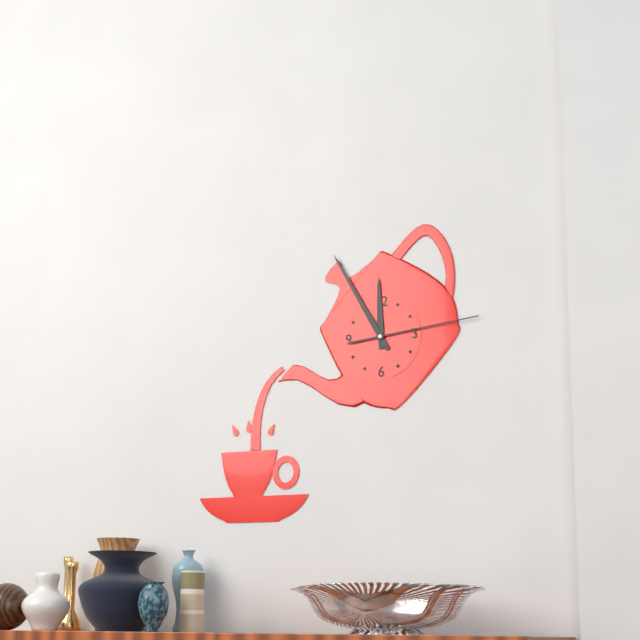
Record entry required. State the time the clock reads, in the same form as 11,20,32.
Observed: 11,55,14
